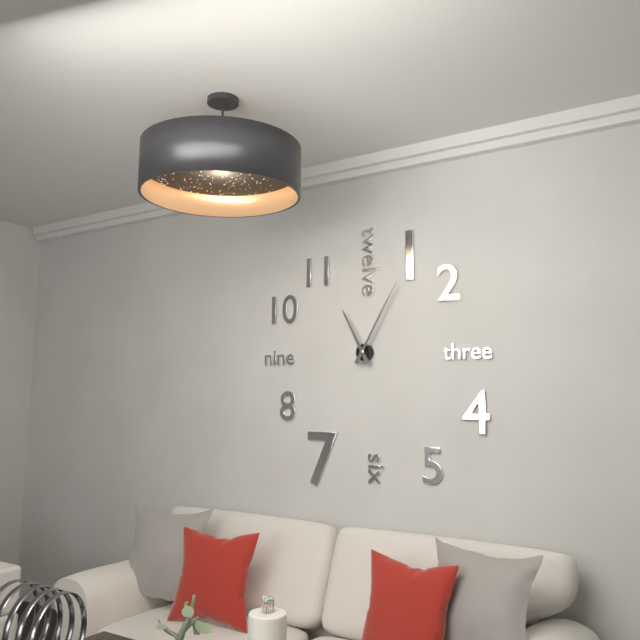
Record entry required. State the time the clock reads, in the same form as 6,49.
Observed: 11,05
